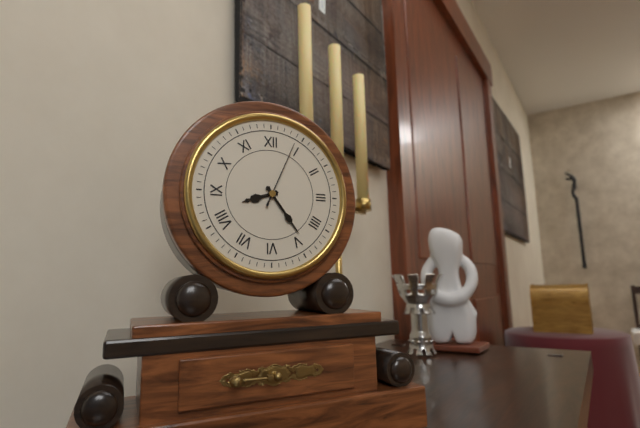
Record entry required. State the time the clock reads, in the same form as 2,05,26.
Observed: 8,24,04
